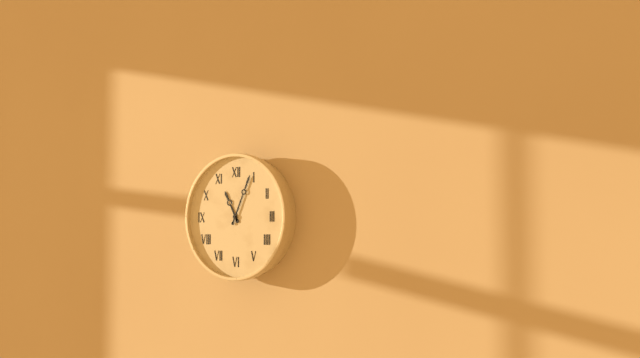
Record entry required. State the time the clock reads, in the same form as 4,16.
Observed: 11,04
